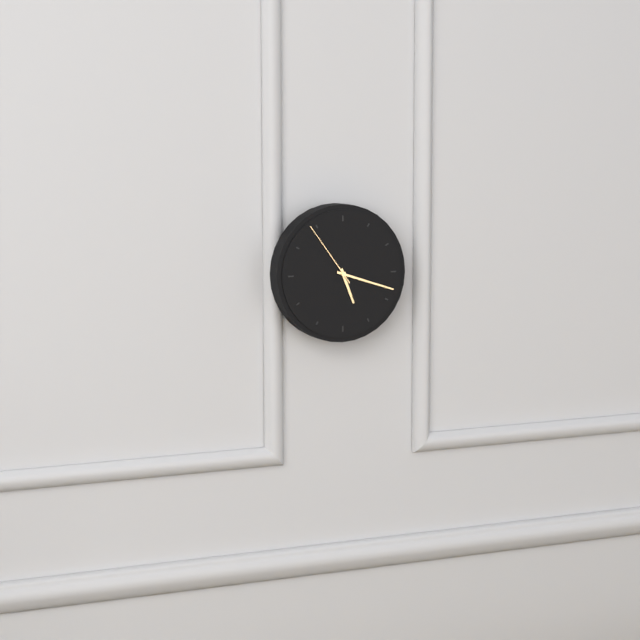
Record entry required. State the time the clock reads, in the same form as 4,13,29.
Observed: 5,18,54
